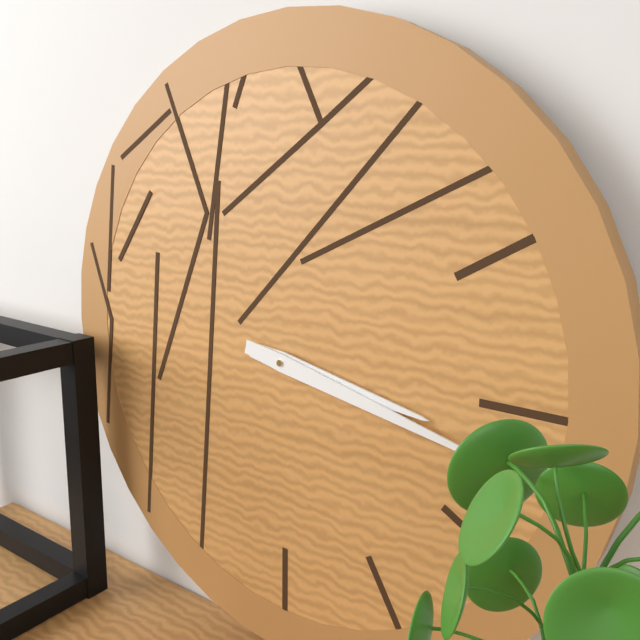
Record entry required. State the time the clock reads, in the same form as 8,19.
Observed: 3,17
